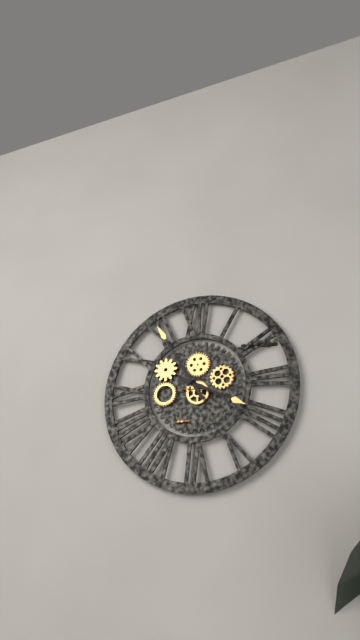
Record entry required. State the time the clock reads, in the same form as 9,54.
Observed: 3,55
